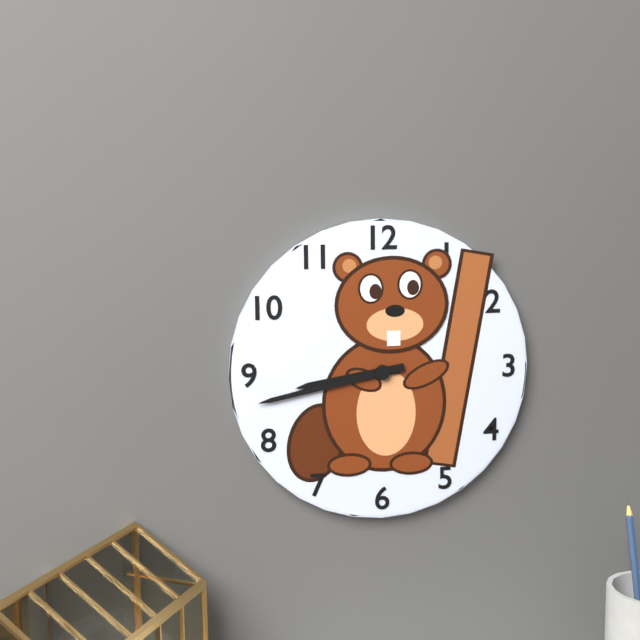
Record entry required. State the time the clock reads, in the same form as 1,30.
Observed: 8,43
